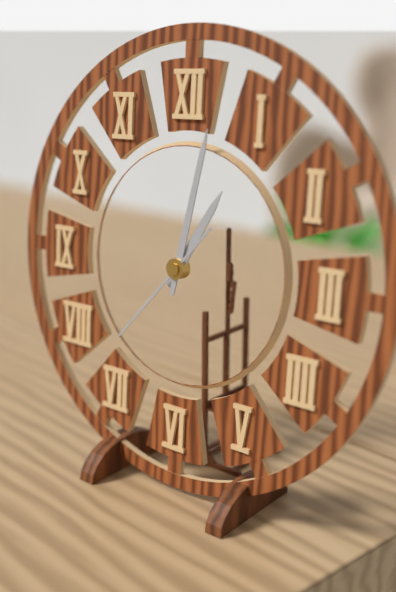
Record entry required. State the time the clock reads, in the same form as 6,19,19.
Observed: 1,02,37
